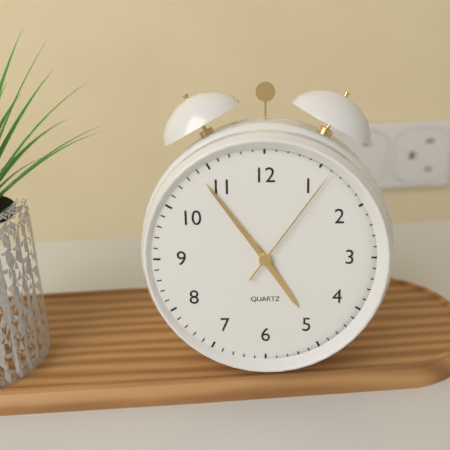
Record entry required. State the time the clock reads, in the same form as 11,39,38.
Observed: 4,54,06
